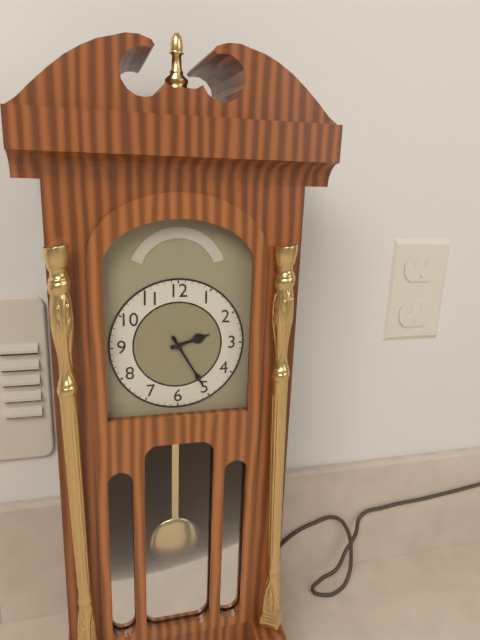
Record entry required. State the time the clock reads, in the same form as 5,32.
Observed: 2,25
